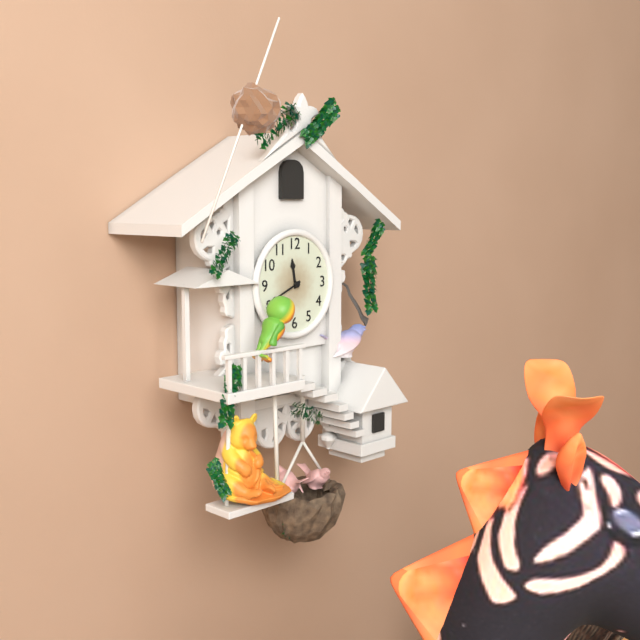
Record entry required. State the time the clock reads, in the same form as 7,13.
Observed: 11,41
